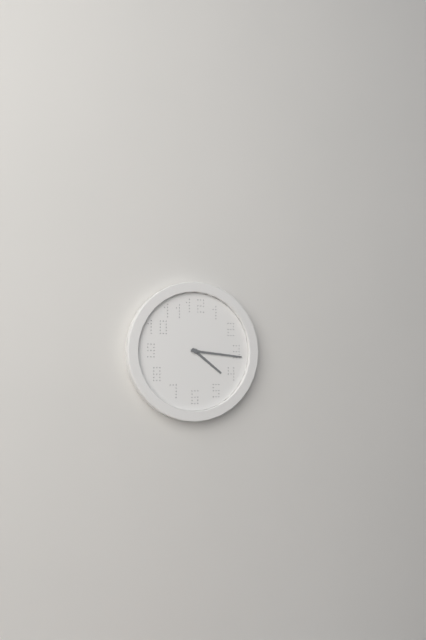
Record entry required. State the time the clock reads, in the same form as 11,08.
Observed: 4,16
